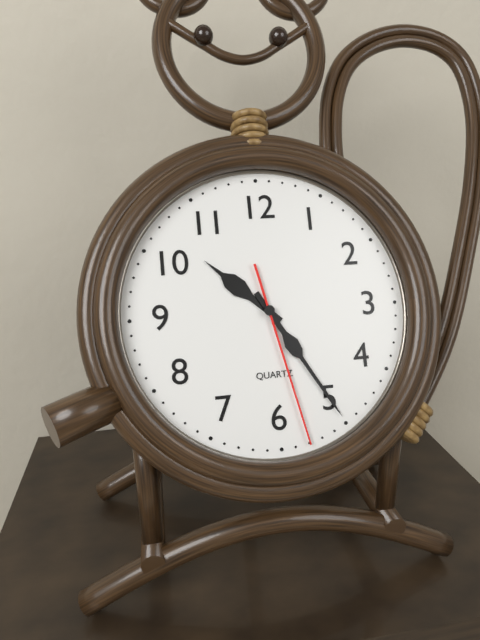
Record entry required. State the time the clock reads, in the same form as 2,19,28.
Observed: 10,25,28
